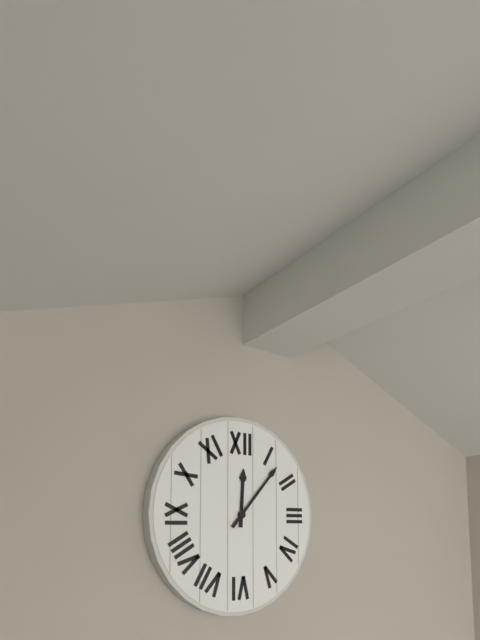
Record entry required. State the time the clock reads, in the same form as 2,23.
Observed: 12,07
